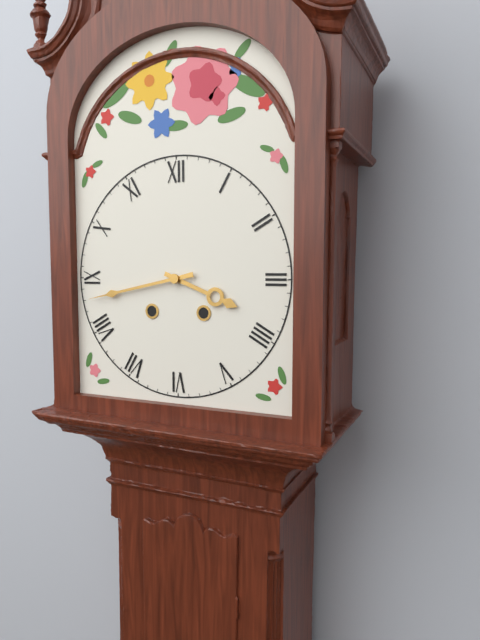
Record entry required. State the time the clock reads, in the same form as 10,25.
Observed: 3,43
